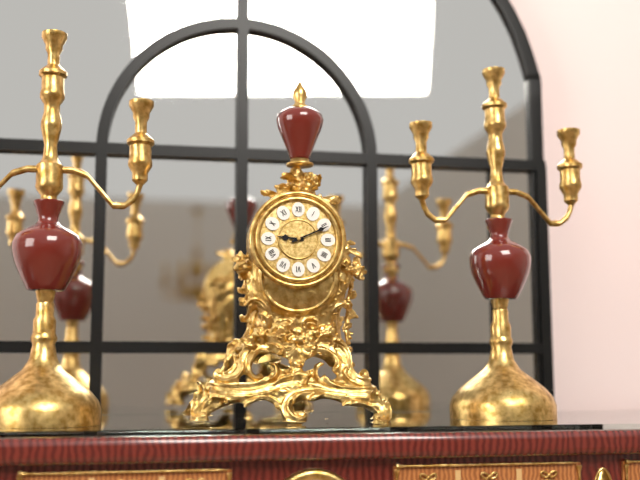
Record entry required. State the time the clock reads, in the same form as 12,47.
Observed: 9,11
